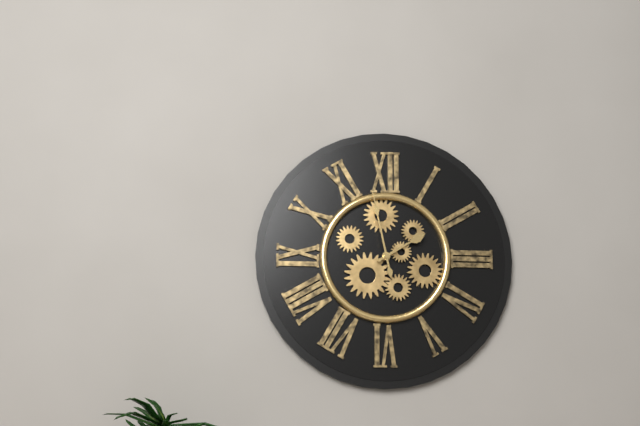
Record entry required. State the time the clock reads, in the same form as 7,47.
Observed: 1,58
